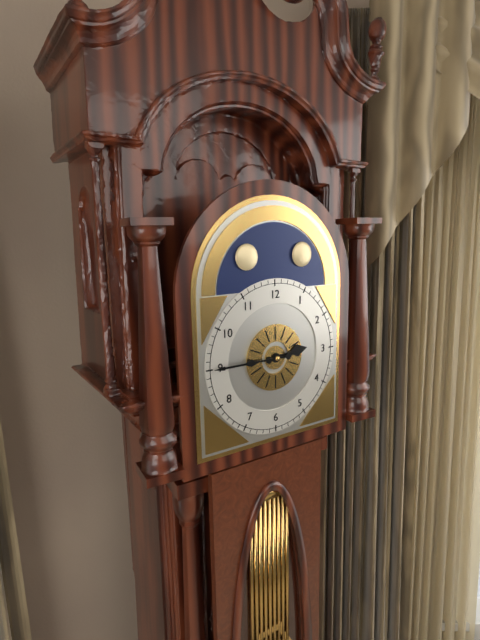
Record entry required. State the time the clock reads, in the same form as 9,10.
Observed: 2,45
